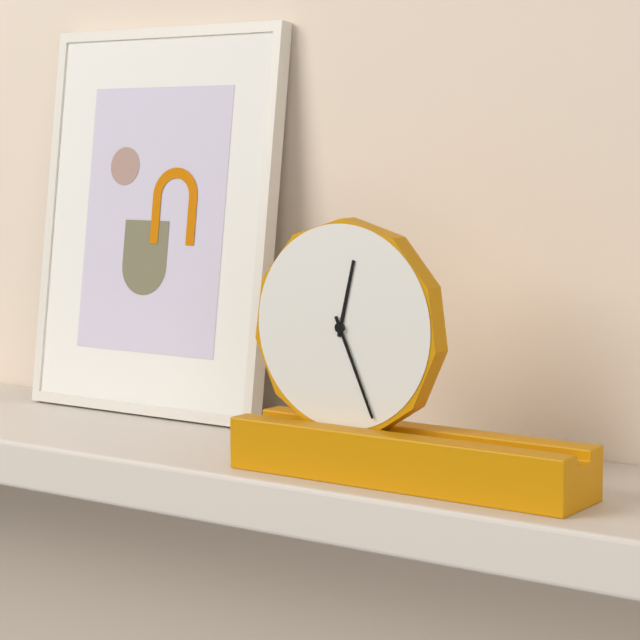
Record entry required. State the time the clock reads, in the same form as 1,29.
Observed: 12,26
